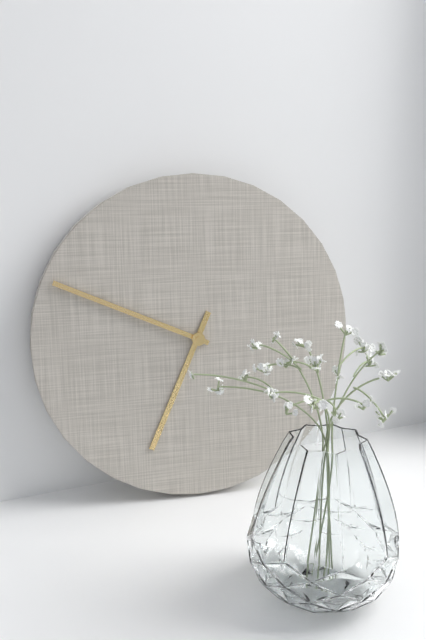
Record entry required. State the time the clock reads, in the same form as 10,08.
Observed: 6,49
